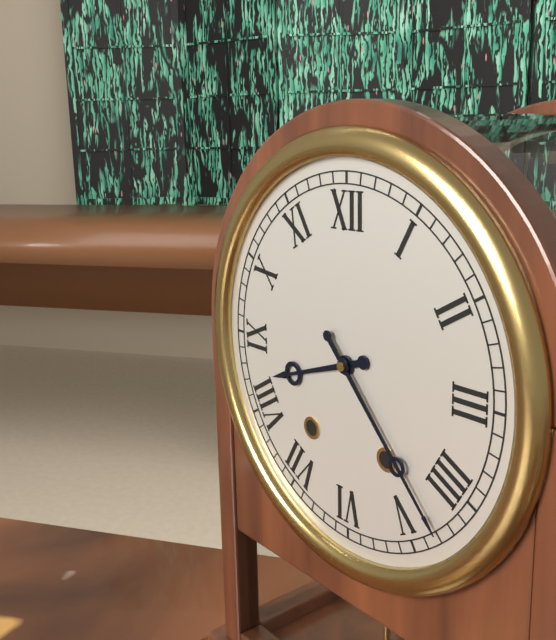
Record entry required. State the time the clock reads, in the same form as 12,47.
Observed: 8,23
